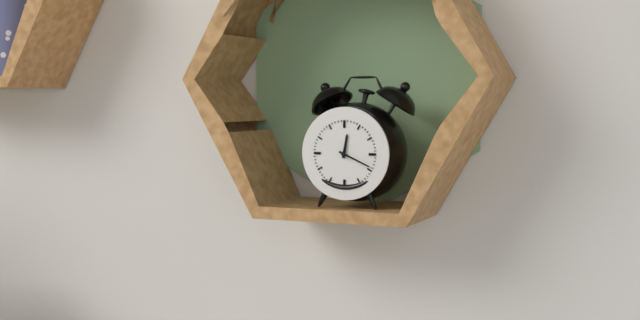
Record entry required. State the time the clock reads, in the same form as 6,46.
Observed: 12,19
